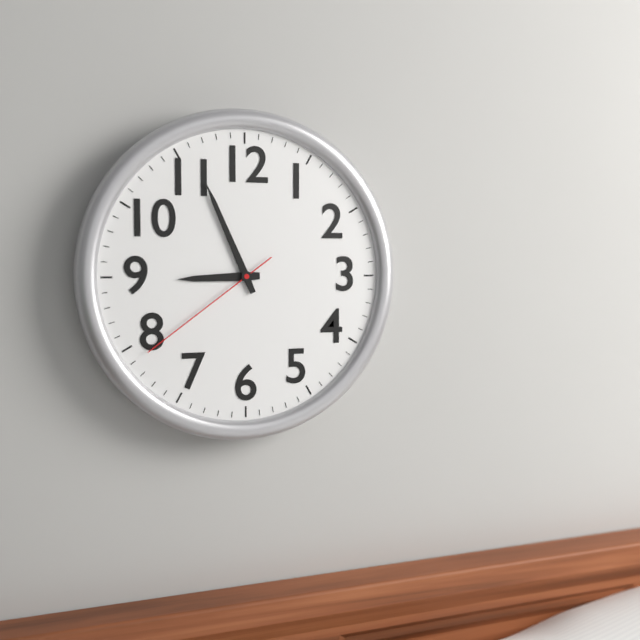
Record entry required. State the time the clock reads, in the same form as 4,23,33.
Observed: 8,56,39
